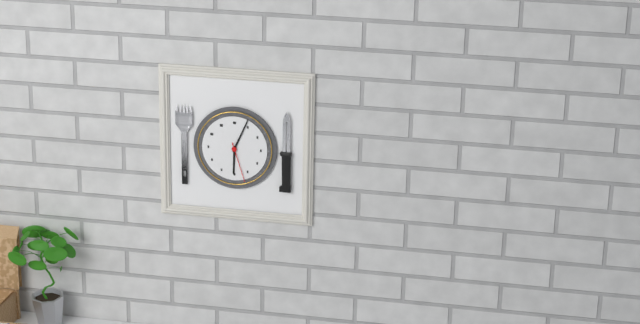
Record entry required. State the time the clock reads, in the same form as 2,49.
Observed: 6,04
